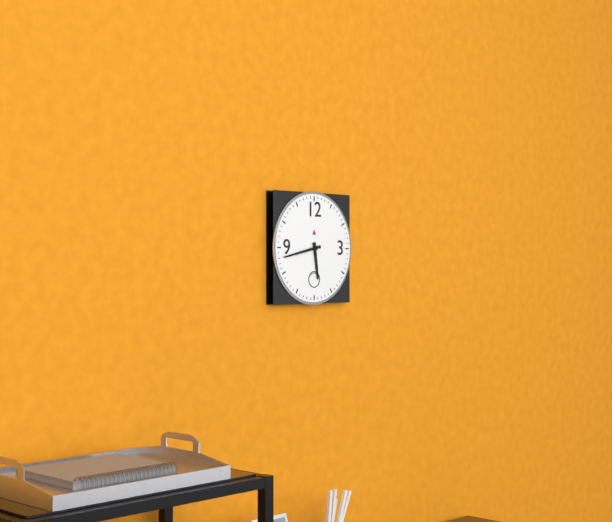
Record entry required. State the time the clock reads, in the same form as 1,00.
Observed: 5,43
